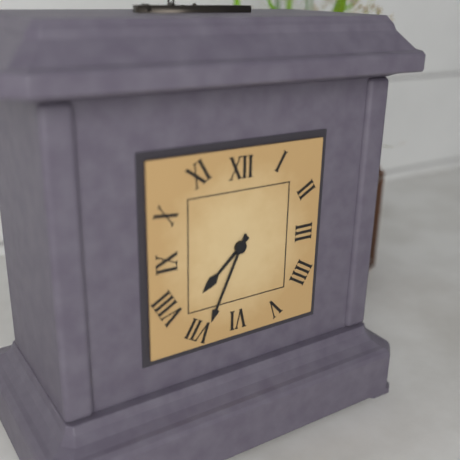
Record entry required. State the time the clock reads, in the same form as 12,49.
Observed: 7,34
